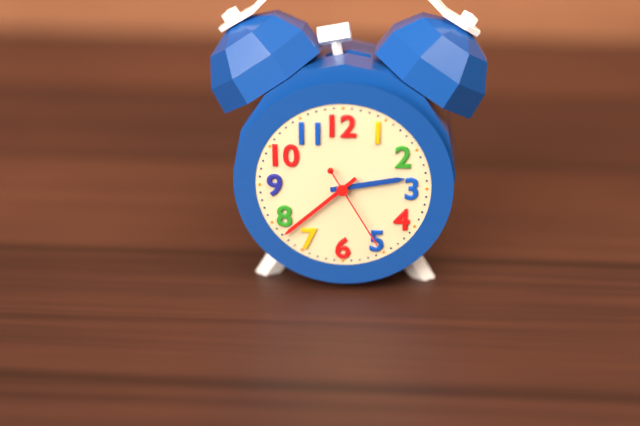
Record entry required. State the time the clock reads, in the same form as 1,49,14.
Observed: 2,38,25
